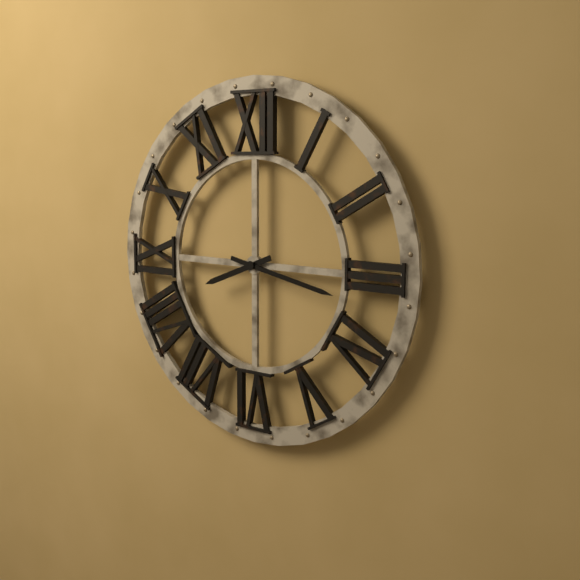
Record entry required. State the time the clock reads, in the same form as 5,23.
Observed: 8,17
